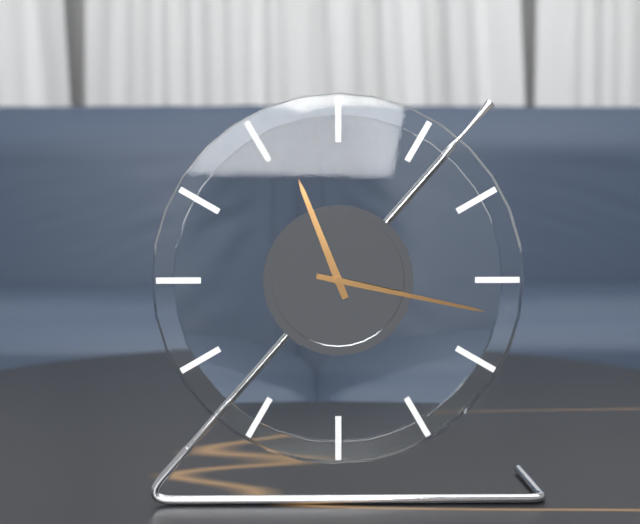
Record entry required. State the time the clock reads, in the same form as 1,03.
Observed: 11,17
